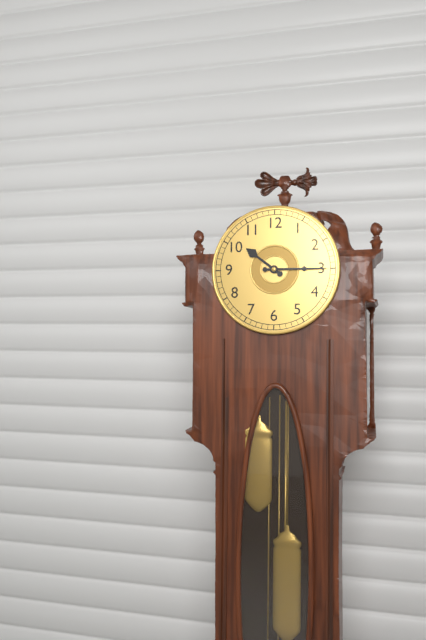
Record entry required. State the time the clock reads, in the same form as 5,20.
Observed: 10,15
